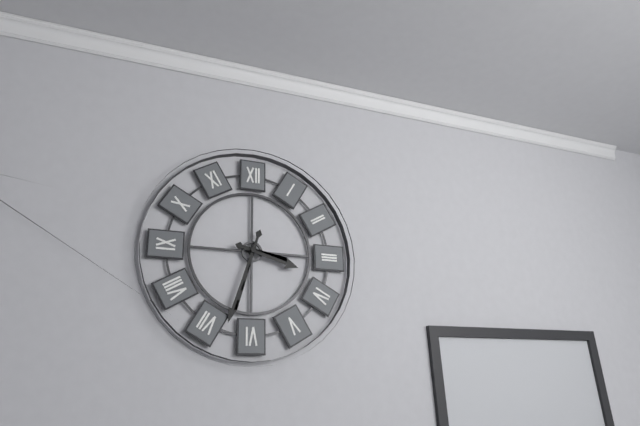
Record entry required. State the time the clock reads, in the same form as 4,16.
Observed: 3,33
